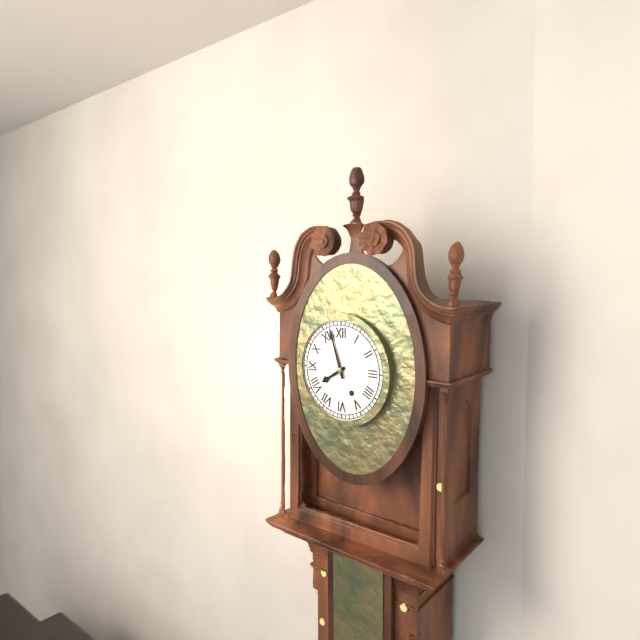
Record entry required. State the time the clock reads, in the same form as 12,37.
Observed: 7,57
